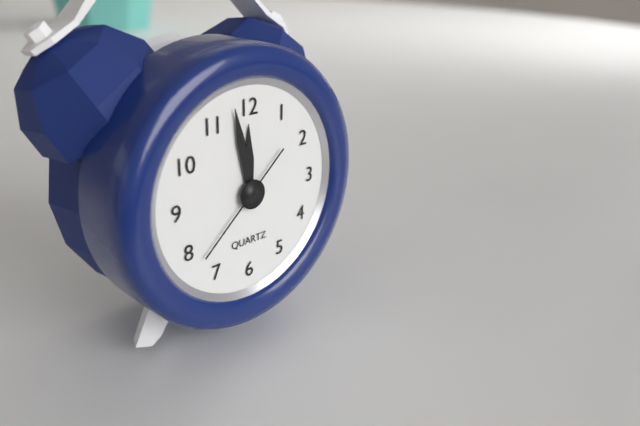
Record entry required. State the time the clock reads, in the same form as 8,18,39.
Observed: 11,58,38
